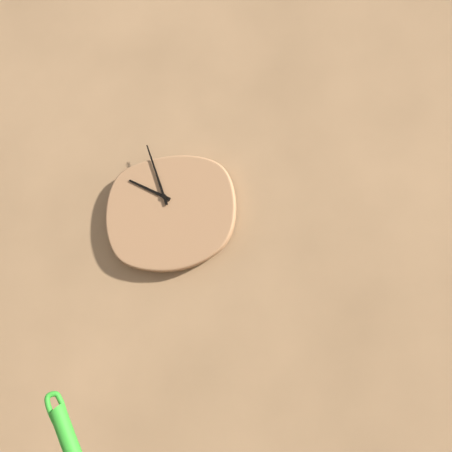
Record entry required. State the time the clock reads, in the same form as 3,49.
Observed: 9,57
